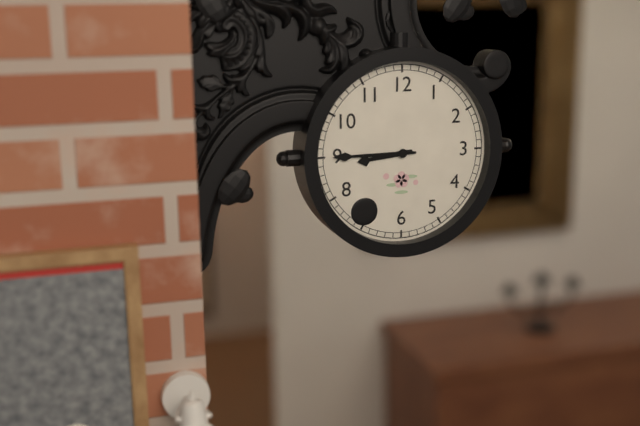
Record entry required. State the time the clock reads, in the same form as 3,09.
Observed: 8,45
